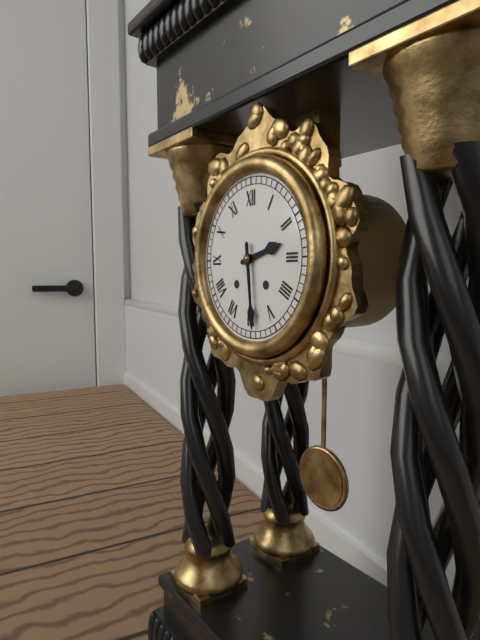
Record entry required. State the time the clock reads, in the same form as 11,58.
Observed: 2,29
